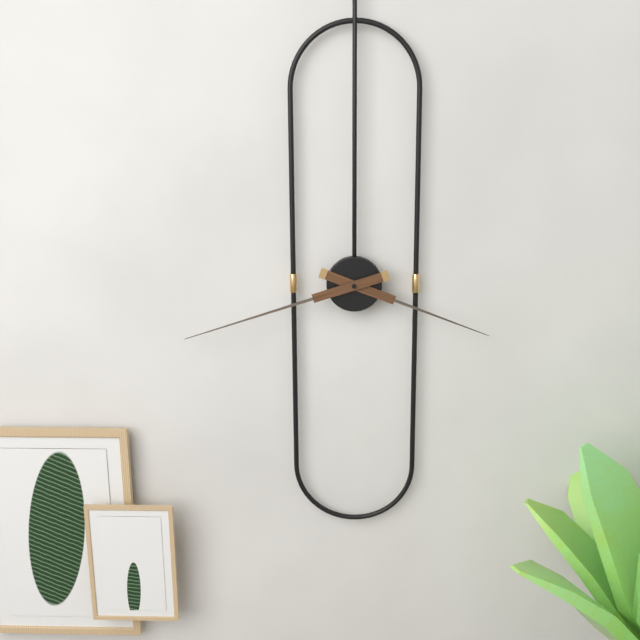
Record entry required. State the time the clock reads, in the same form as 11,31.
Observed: 3,42
